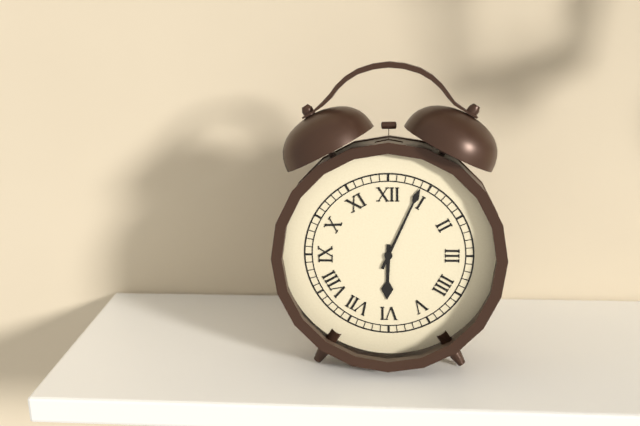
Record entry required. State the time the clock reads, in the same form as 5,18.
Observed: 6,04
